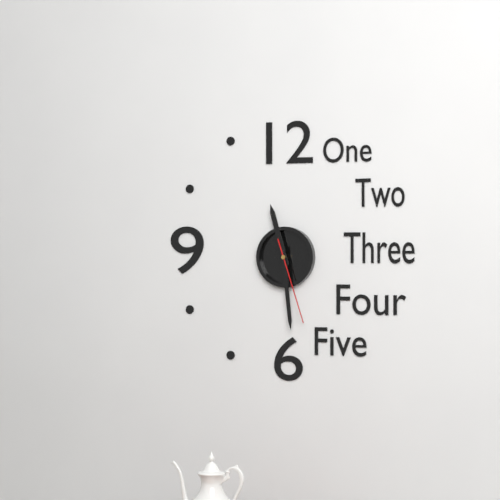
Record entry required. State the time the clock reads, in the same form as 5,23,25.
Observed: 11,29,27
